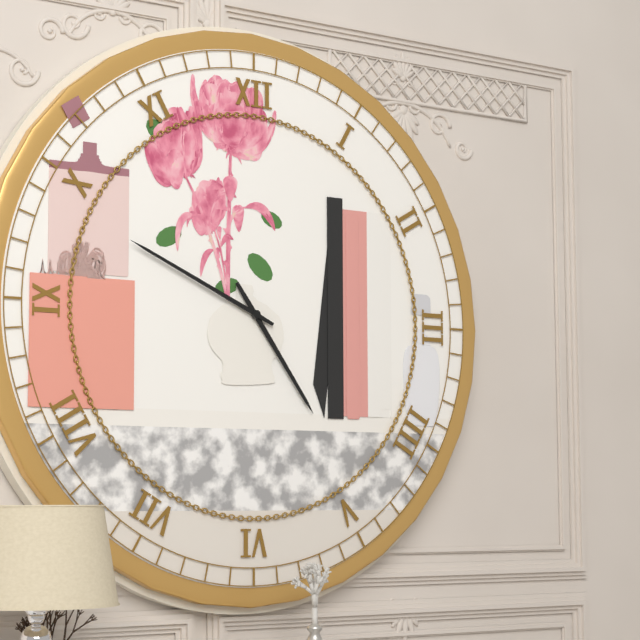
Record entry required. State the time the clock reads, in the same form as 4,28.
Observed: 4,49
